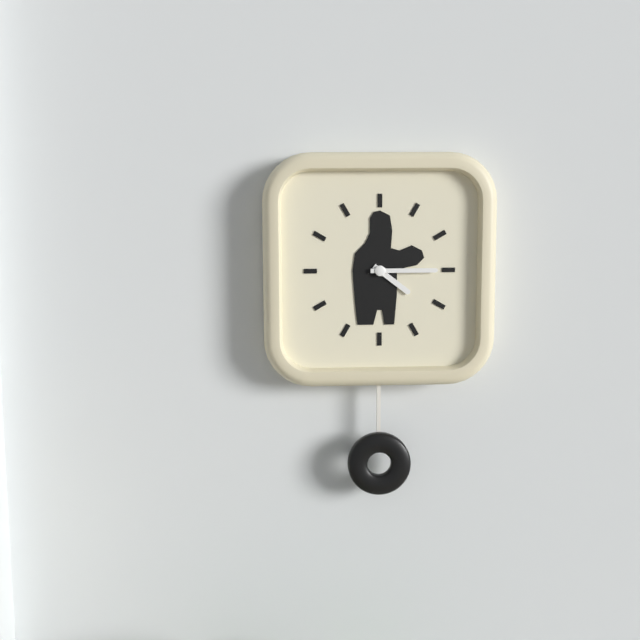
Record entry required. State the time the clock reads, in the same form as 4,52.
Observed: 4,15
